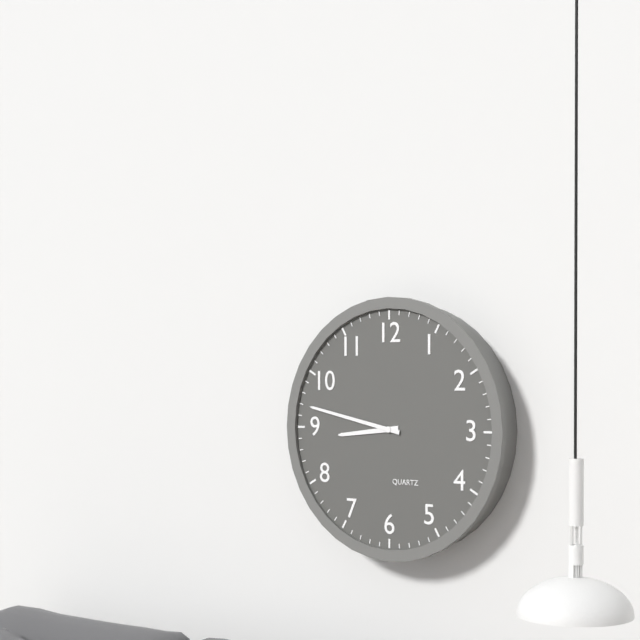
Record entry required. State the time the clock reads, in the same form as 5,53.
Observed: 8,47
